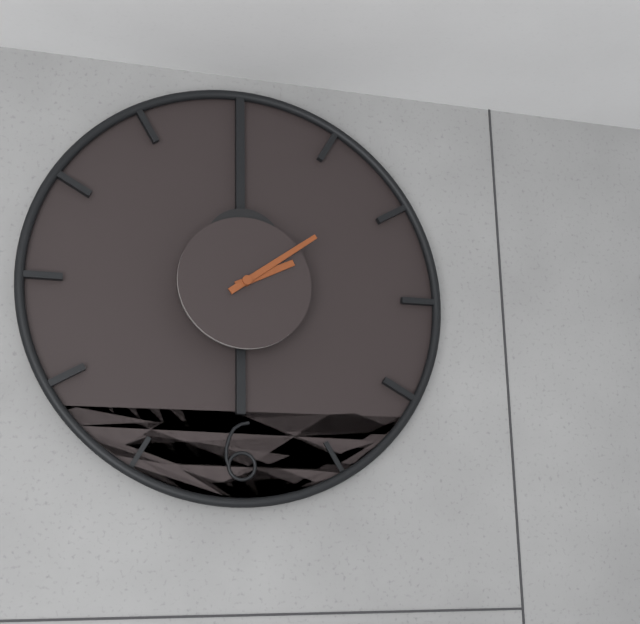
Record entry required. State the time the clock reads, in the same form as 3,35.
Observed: 2,09
